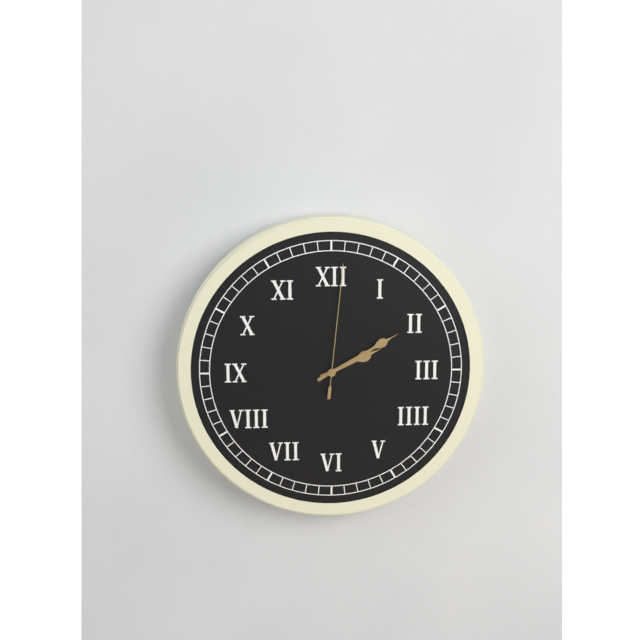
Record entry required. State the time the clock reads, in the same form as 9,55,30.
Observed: 2,10,01
